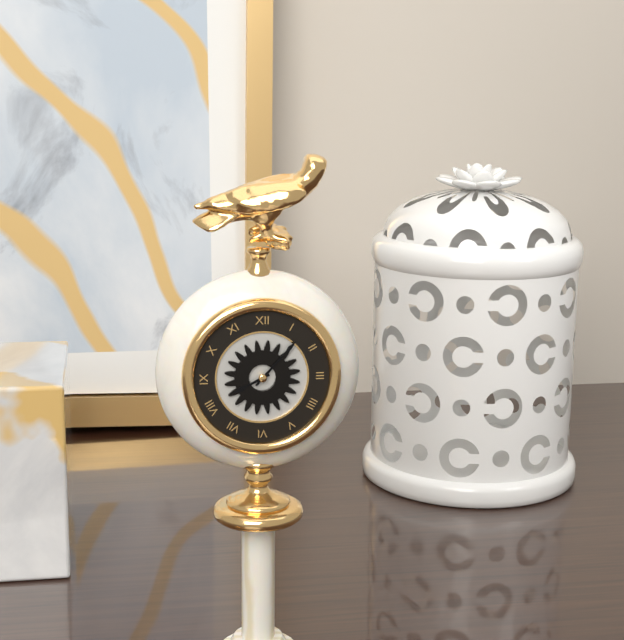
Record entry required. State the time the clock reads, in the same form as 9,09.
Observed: 8,07
